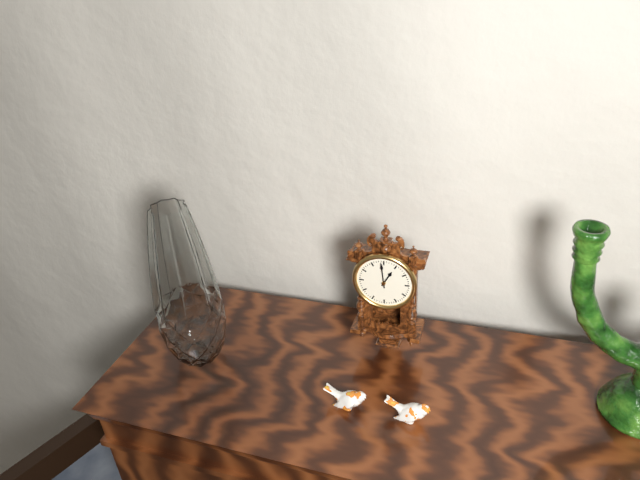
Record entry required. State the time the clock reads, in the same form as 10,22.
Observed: 12,59
